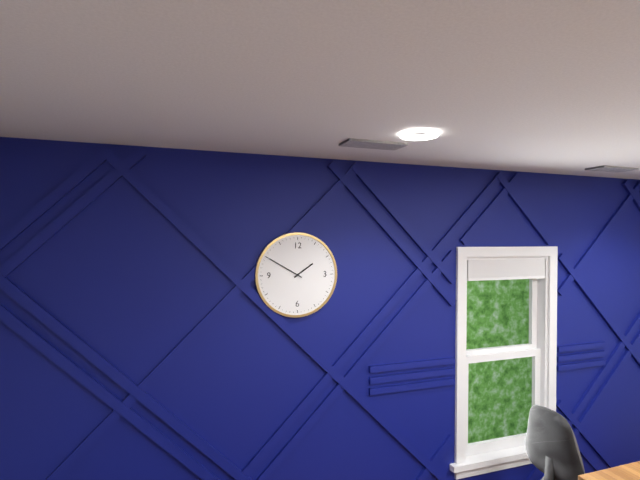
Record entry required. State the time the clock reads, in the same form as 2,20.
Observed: 1,50
